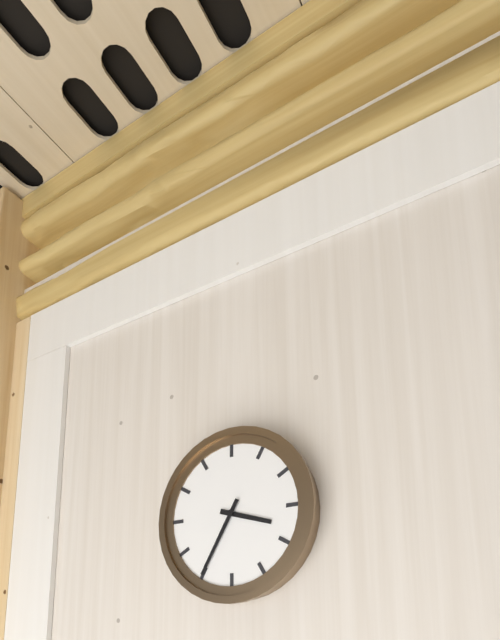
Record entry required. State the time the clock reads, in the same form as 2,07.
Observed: 3,35
